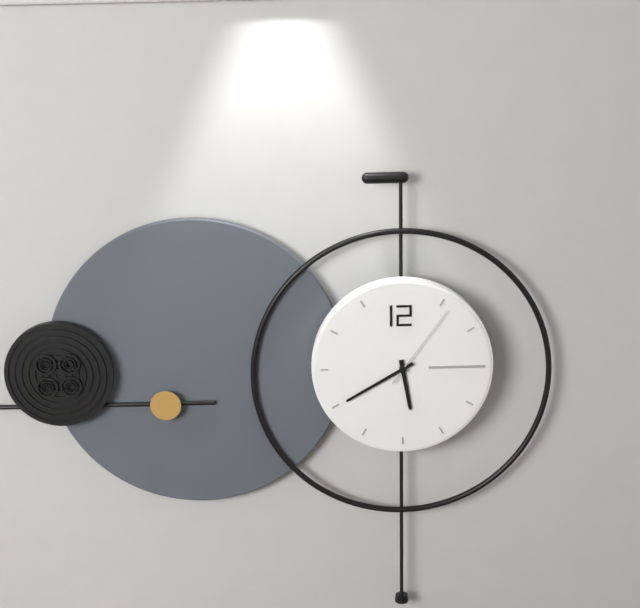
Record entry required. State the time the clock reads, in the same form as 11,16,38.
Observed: 5,40,06
